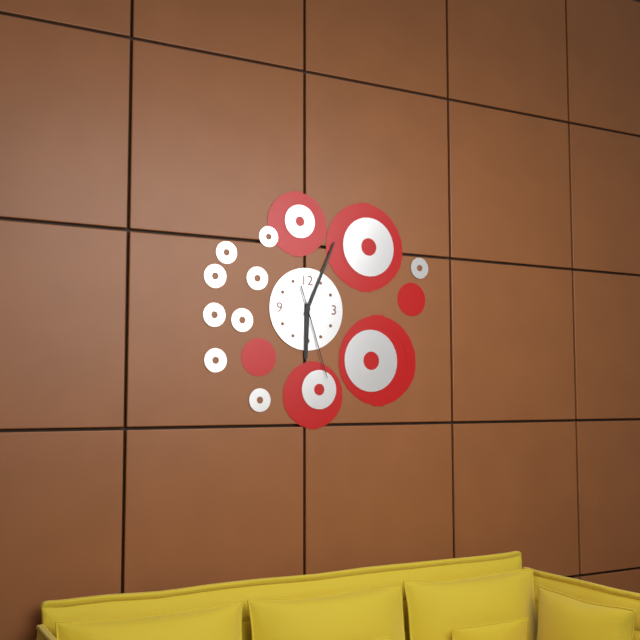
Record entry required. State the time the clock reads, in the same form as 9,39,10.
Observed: 6,04,27
